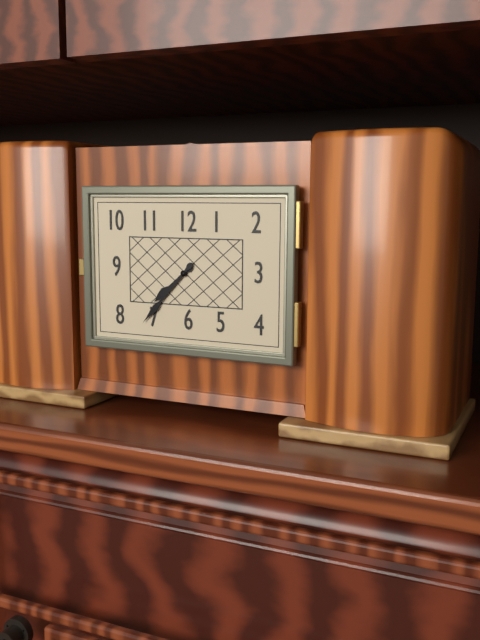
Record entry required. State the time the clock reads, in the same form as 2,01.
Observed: 7,37
